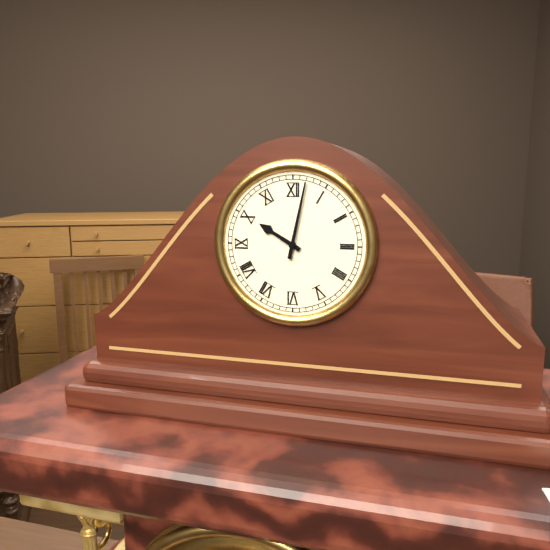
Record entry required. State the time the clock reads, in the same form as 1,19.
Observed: 10,02
